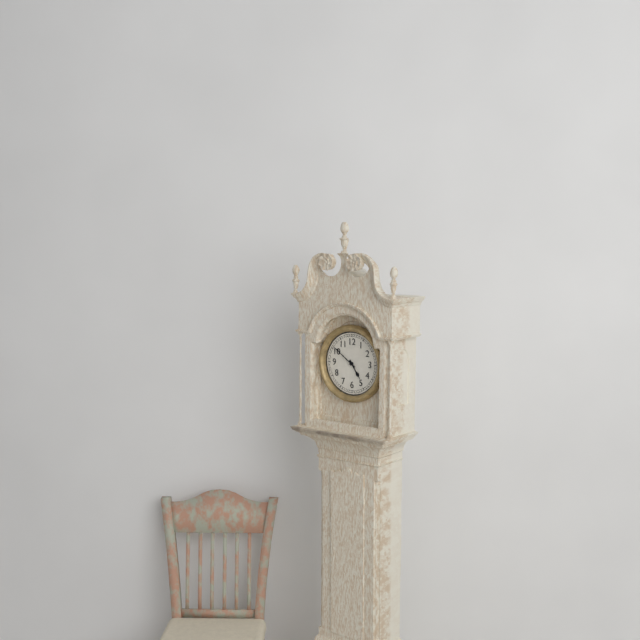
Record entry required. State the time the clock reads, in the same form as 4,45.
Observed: 4,51
